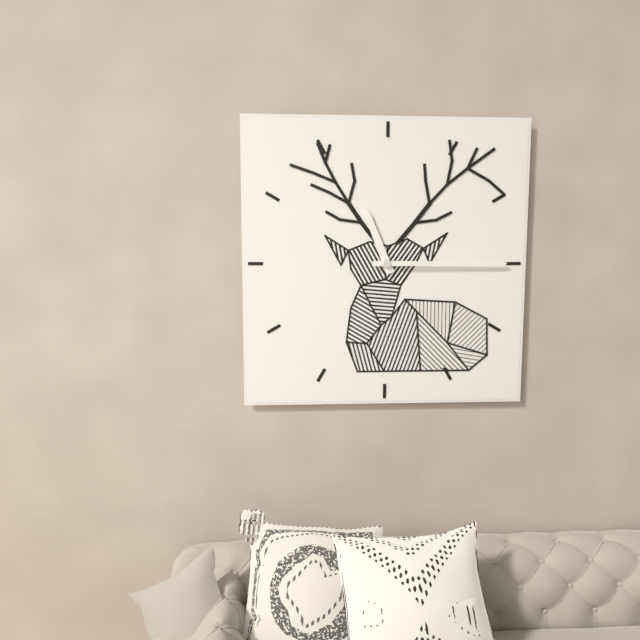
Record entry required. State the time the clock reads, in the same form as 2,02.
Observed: 11,15
